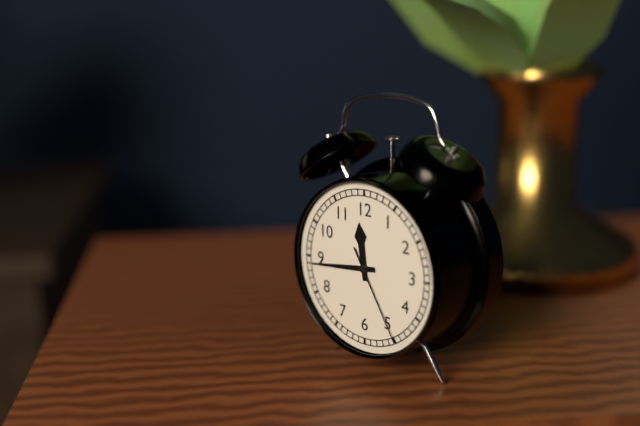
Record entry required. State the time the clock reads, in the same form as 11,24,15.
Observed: 11,44,25
